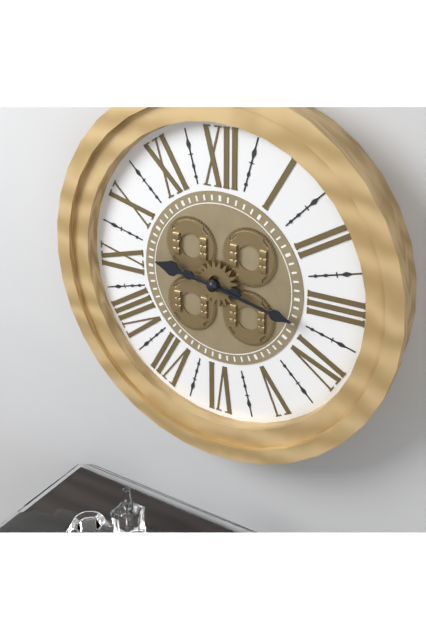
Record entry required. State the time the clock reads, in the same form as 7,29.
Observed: 9,17
